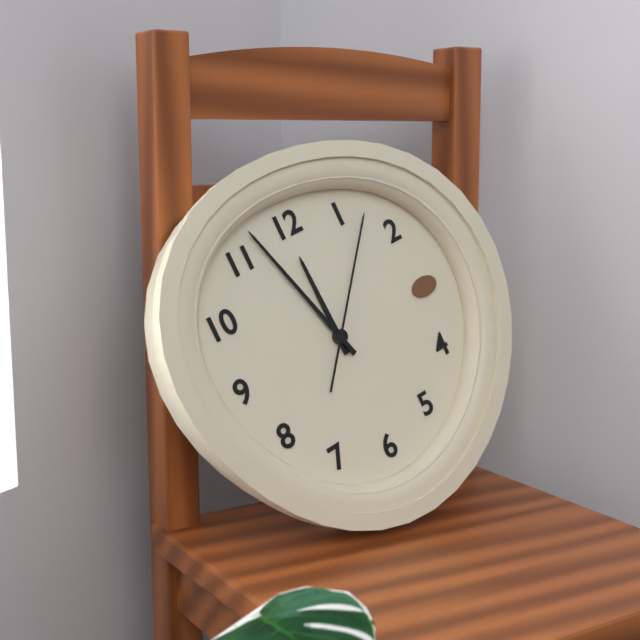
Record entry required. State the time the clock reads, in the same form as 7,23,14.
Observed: 11,57,07
